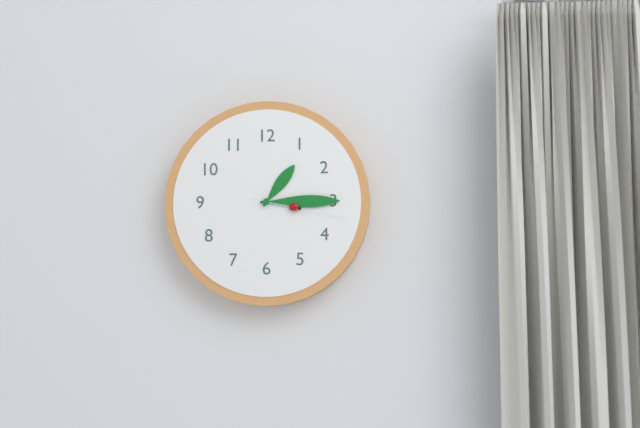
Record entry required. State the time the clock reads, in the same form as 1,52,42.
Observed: 1,15,17
